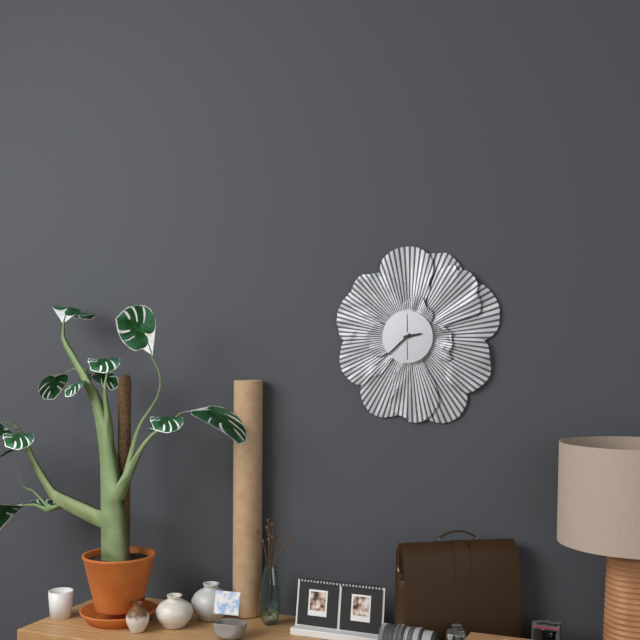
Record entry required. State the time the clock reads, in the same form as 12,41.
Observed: 2,38
